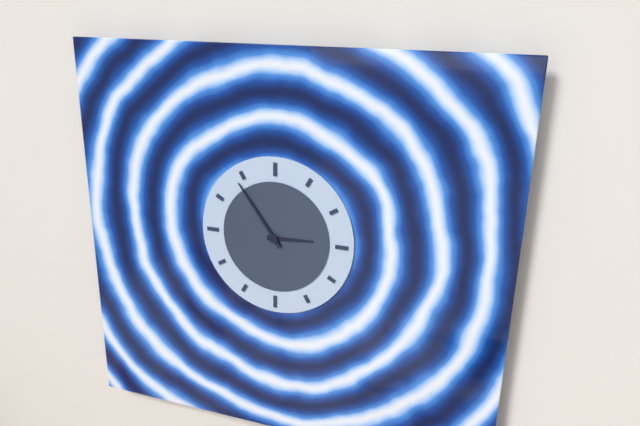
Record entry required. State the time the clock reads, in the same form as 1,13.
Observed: 2,54
